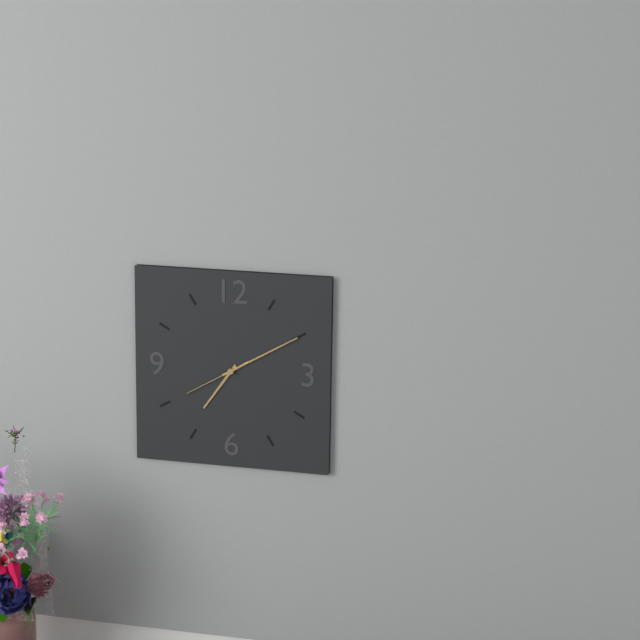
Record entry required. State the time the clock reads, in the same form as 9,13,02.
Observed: 7,10,40
